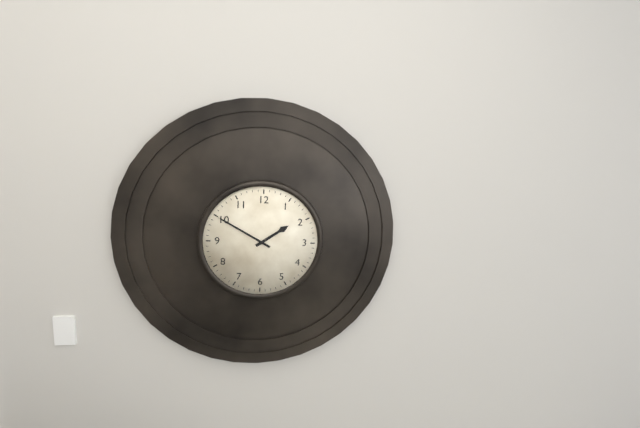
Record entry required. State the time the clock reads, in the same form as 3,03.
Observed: 1,50
